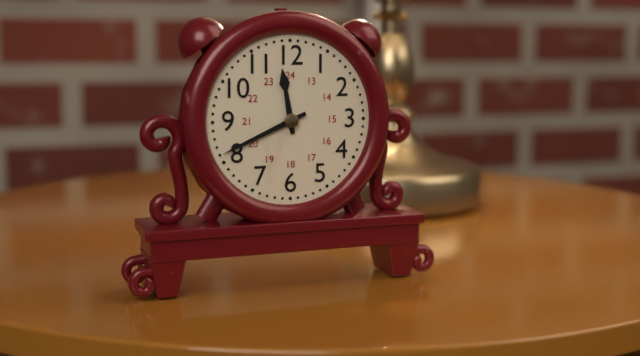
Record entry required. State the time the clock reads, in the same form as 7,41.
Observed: 11,41
